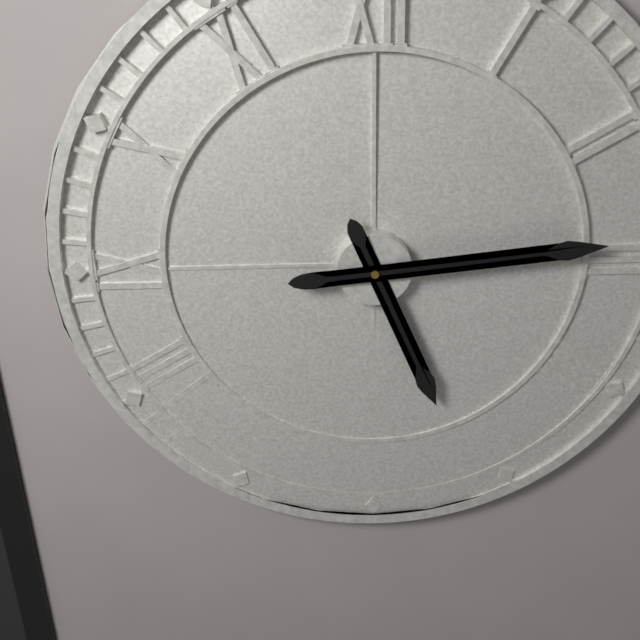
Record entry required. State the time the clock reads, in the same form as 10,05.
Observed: 5,14
